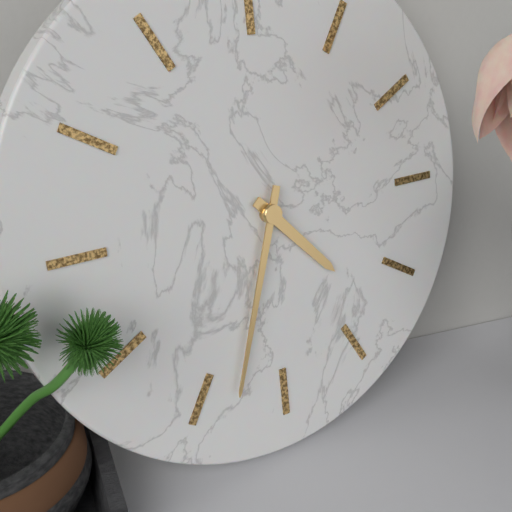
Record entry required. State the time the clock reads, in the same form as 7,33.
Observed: 4,33
